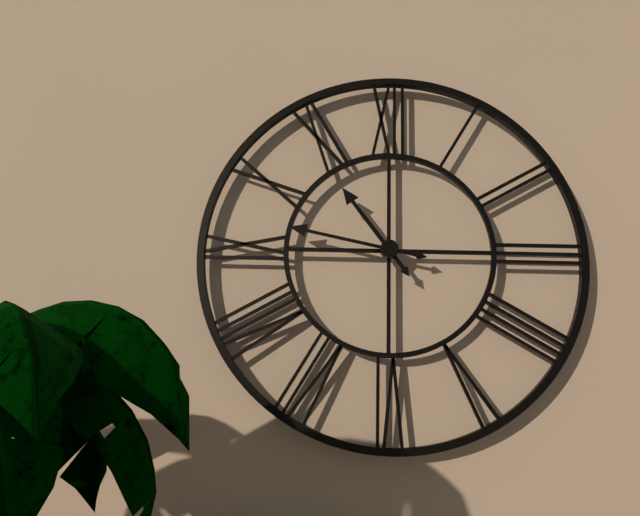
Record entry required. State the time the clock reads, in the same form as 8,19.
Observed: 10,47
